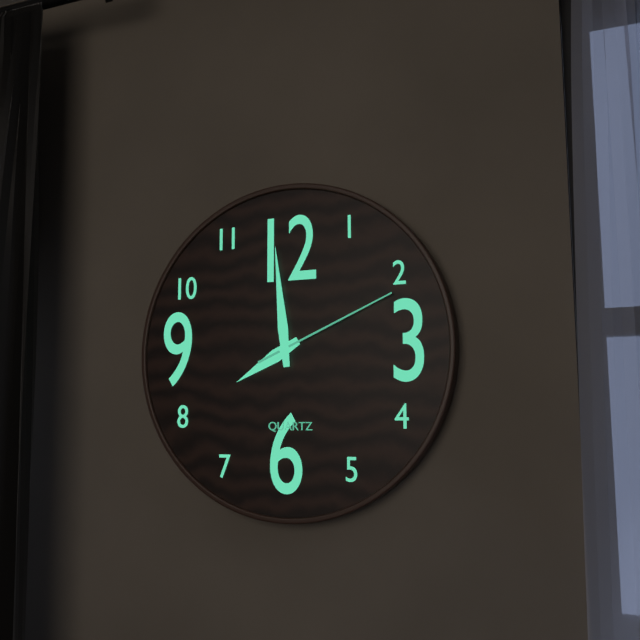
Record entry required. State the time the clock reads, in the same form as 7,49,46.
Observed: 7,59,11
